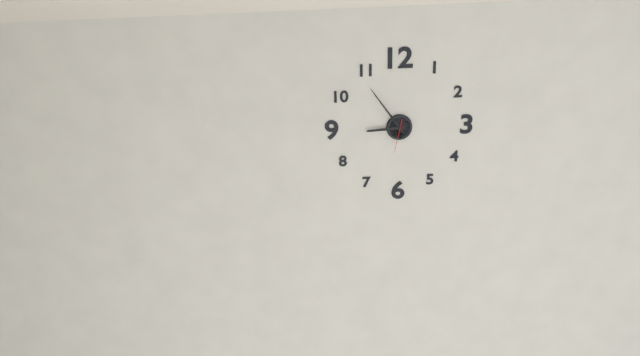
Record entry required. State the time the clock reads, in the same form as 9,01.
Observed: 8,54
